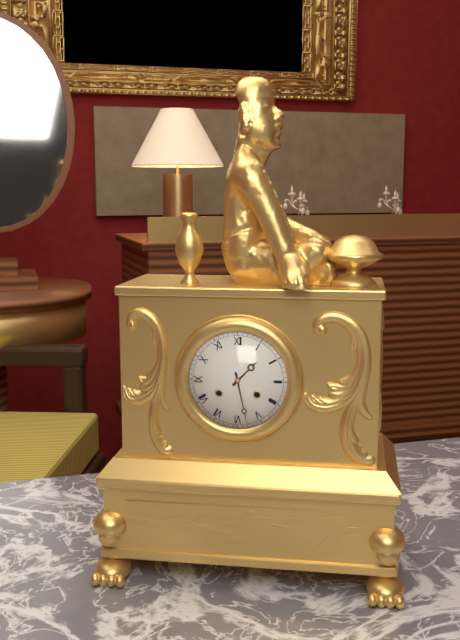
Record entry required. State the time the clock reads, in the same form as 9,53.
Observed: 1,28
